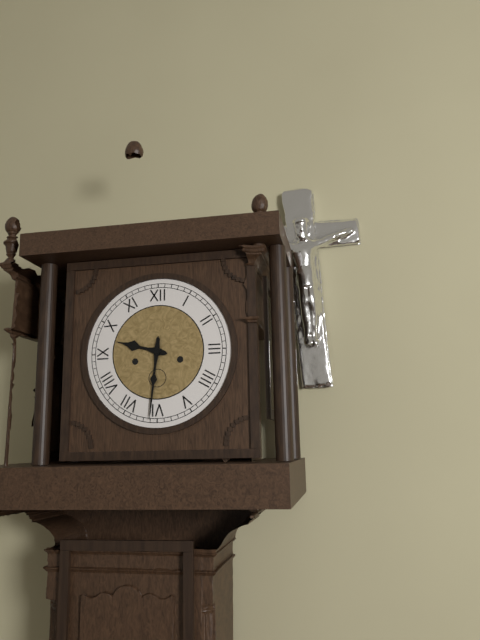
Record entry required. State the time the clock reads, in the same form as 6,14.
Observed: 9,31
